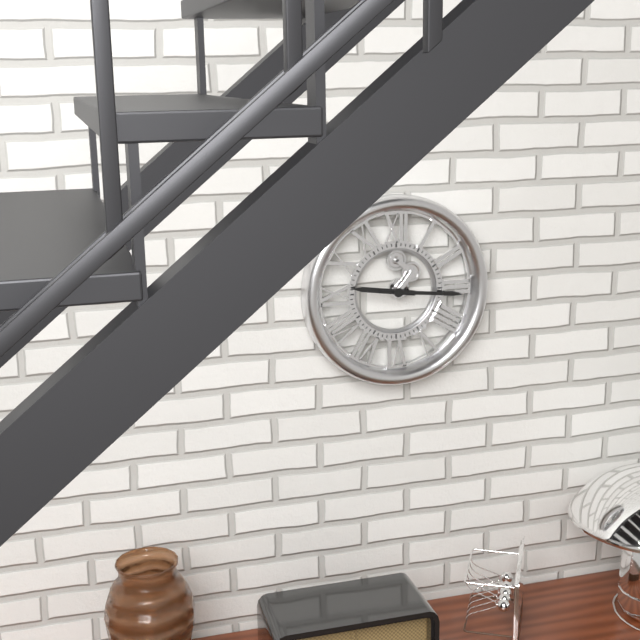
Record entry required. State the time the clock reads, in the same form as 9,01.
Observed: 9,16
